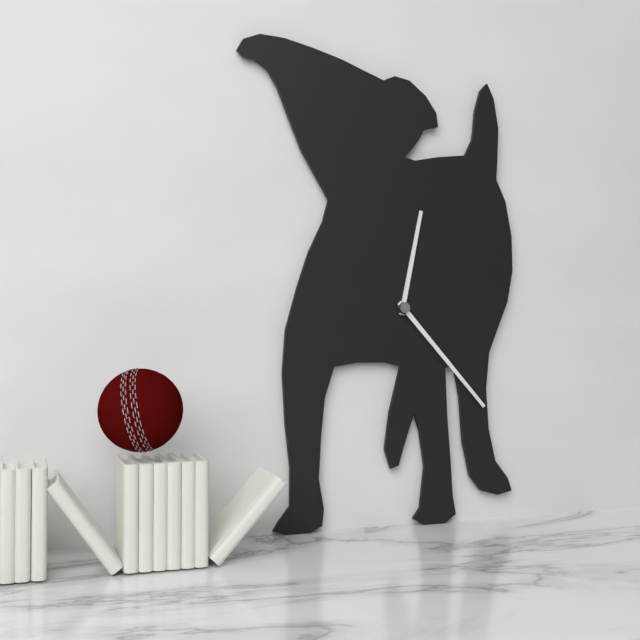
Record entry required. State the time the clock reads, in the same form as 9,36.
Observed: 12,23
